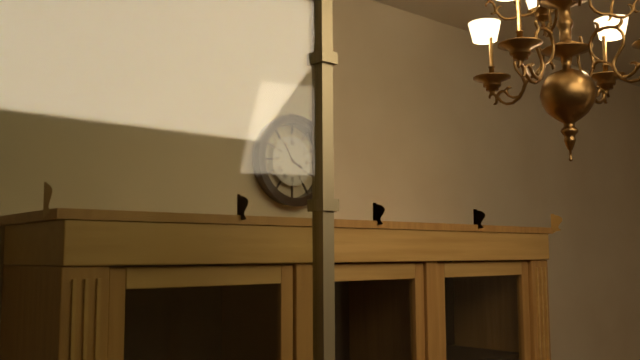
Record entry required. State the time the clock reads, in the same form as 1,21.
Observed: 3,55
